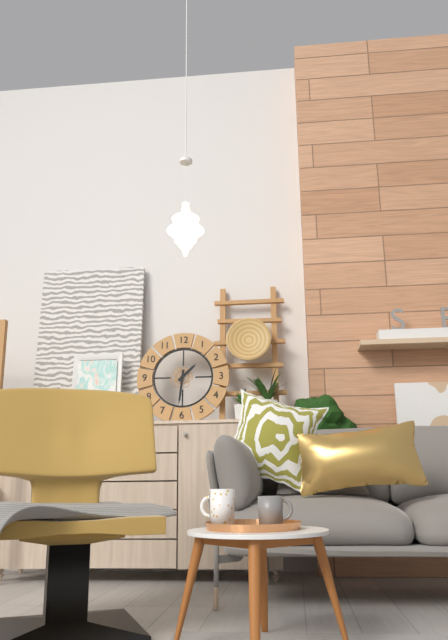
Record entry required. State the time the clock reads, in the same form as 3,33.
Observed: 1,31
